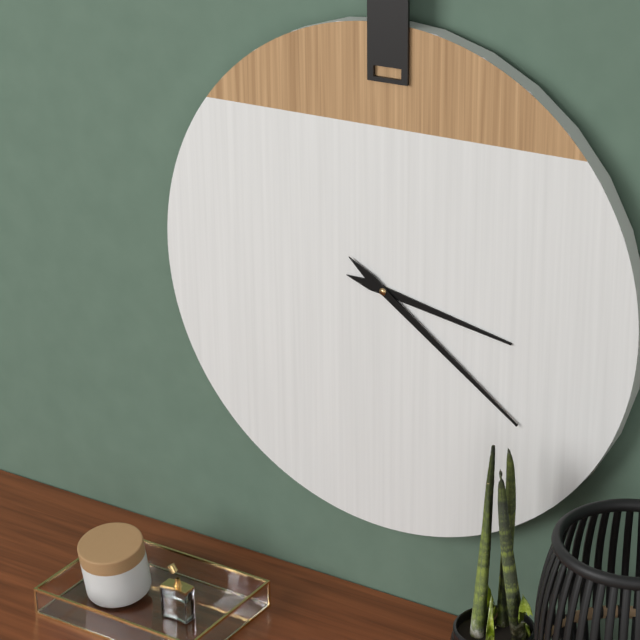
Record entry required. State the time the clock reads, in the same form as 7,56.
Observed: 3,21
